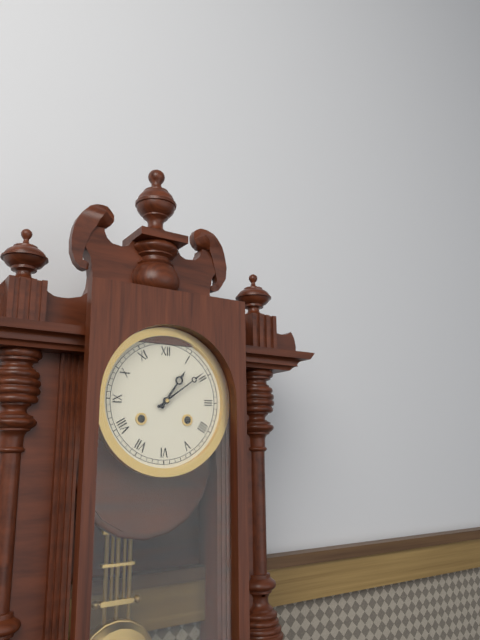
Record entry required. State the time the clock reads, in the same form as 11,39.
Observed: 1,09
